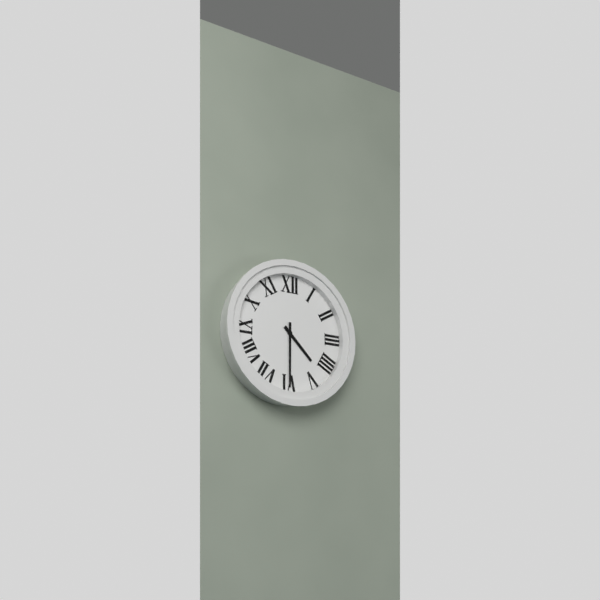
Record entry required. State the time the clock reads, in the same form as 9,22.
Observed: 4,30
